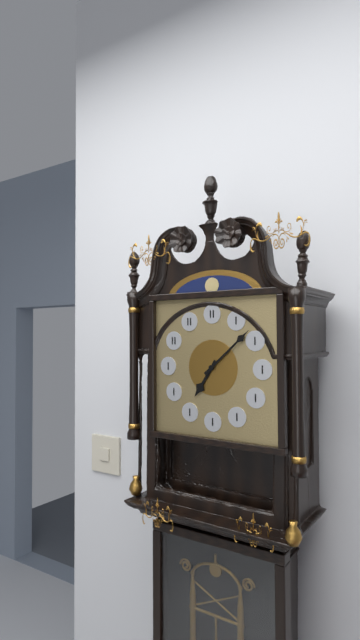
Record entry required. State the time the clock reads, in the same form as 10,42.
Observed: 7,08
